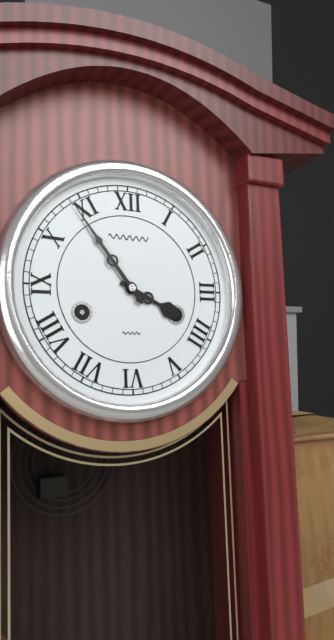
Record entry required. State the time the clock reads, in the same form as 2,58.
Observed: 3,54
